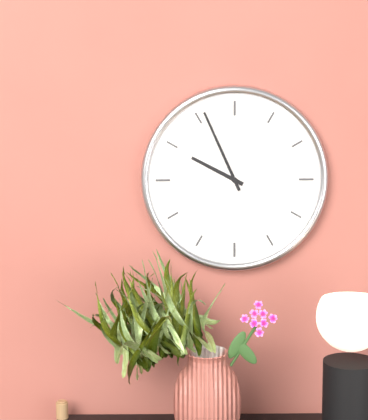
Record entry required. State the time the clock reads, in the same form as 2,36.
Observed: 9,56
